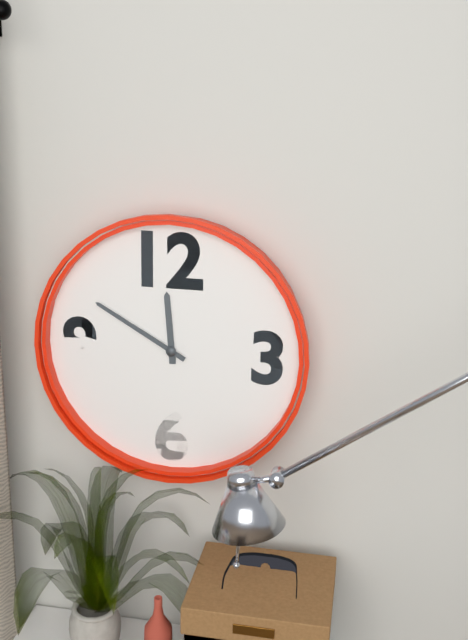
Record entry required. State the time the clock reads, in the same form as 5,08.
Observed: 11,50
